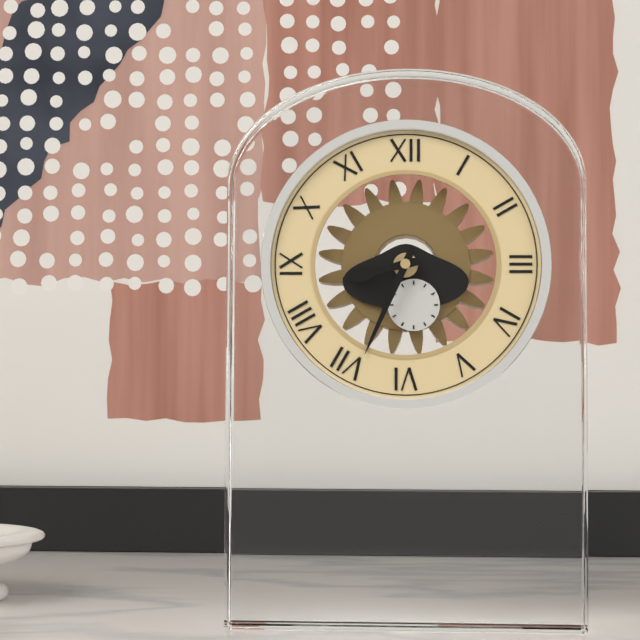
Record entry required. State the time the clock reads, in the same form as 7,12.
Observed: 8,34
